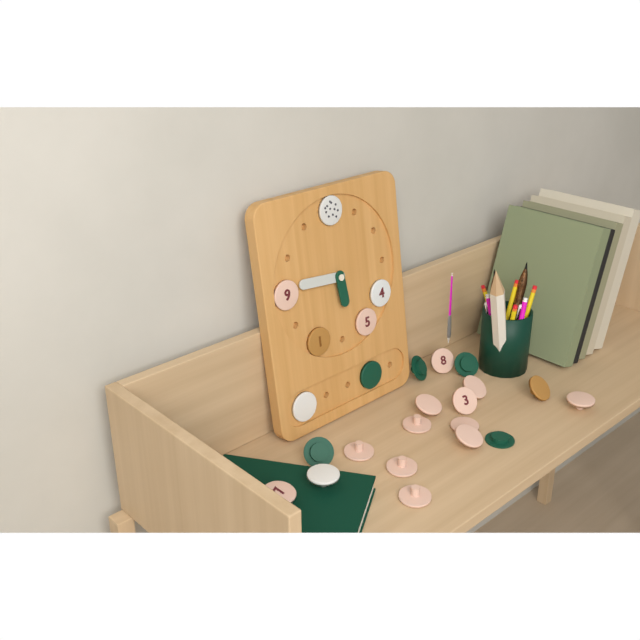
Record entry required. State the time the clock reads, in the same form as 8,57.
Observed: 5,46
